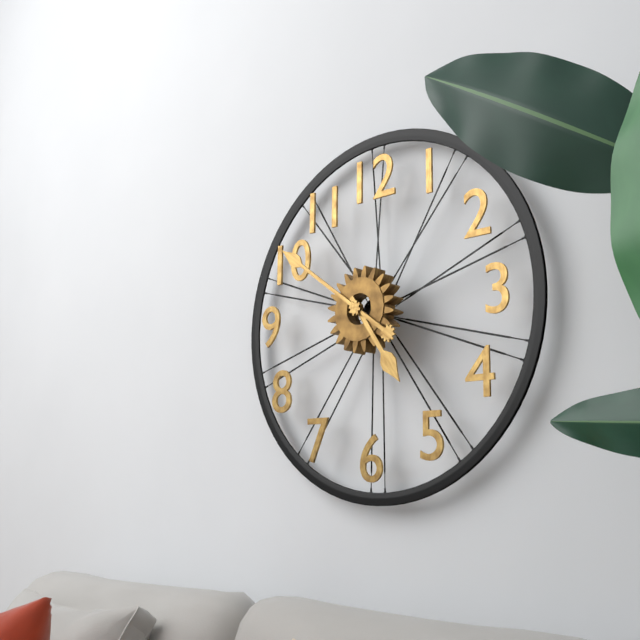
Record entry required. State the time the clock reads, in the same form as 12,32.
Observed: 4,51
